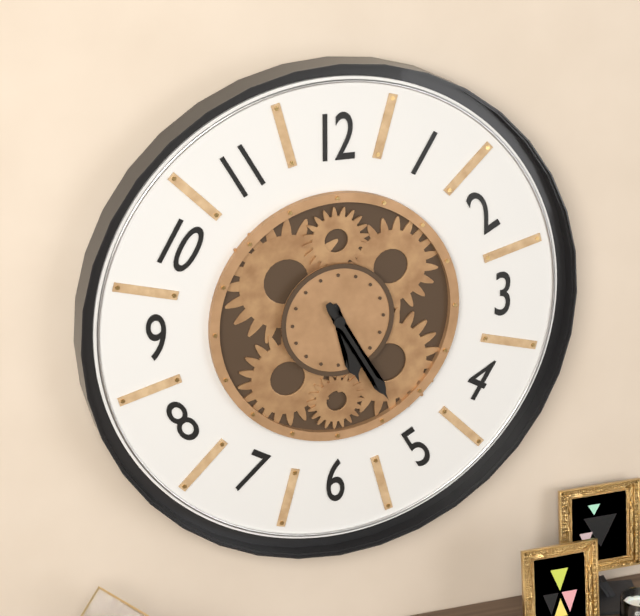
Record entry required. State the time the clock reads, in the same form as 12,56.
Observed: 5,25
